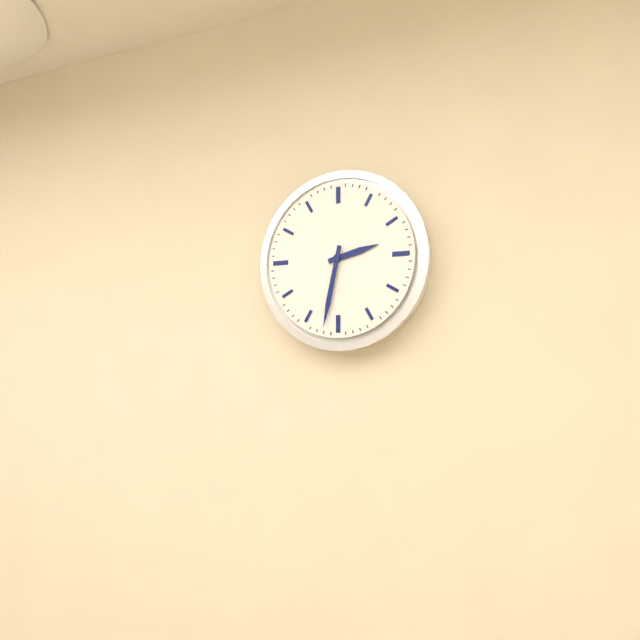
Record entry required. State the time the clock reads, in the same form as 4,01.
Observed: 2,32
